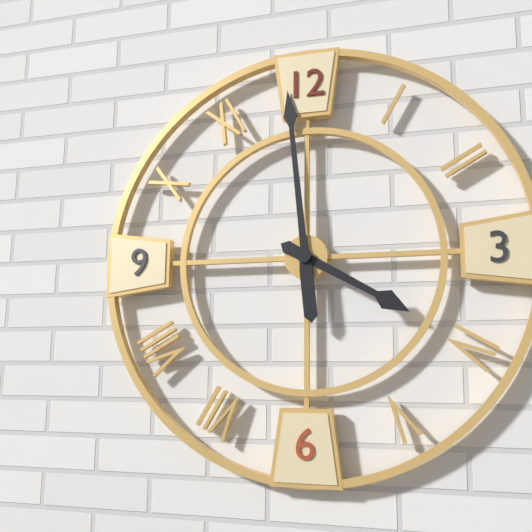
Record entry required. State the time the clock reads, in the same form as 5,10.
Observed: 3,59
